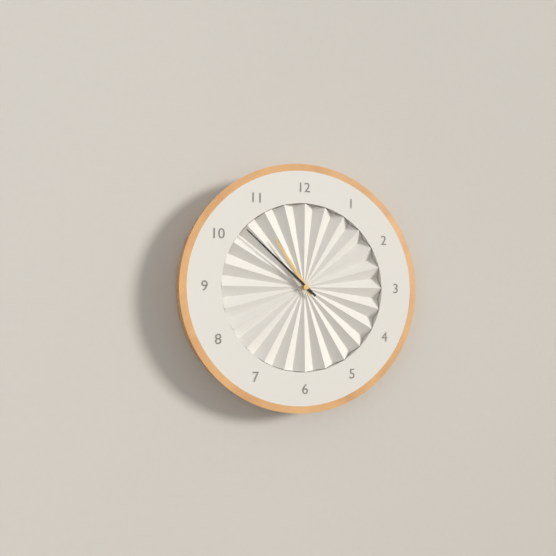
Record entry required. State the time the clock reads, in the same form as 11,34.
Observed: 10,52
